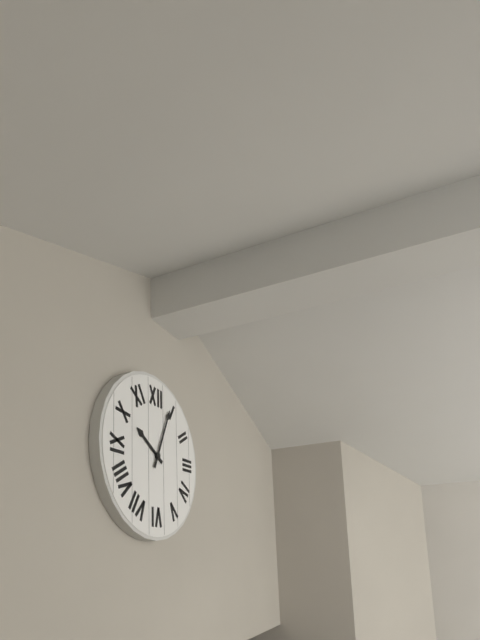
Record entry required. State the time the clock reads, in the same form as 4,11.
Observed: 10,04
